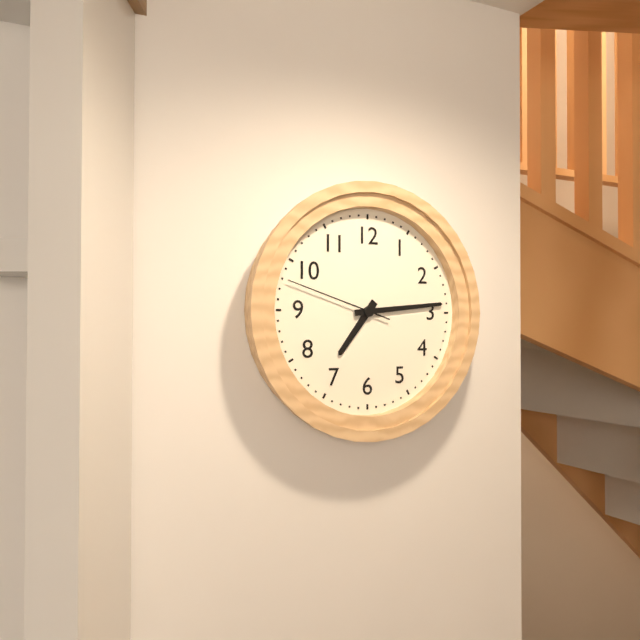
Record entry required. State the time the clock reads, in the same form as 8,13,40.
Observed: 7,14,48
